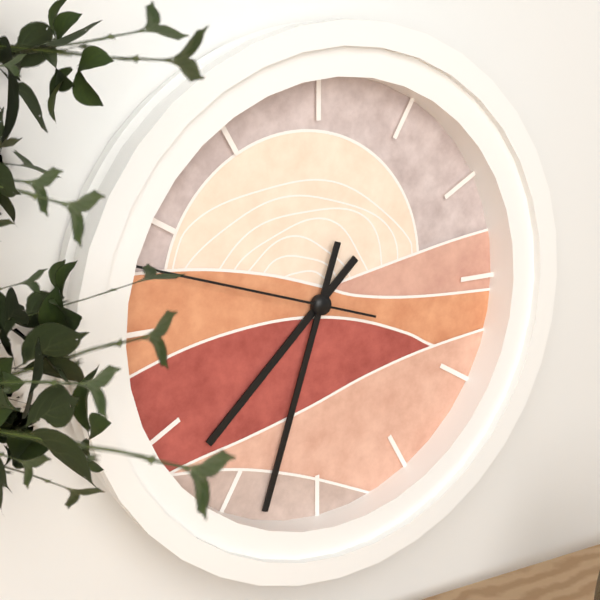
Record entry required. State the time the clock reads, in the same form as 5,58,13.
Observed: 7,33,48
